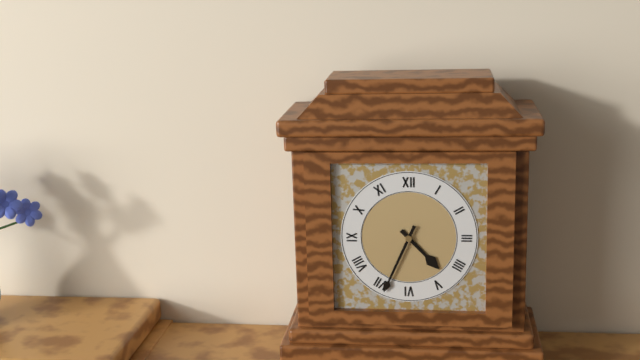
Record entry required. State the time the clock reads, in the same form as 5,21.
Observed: 4,34
